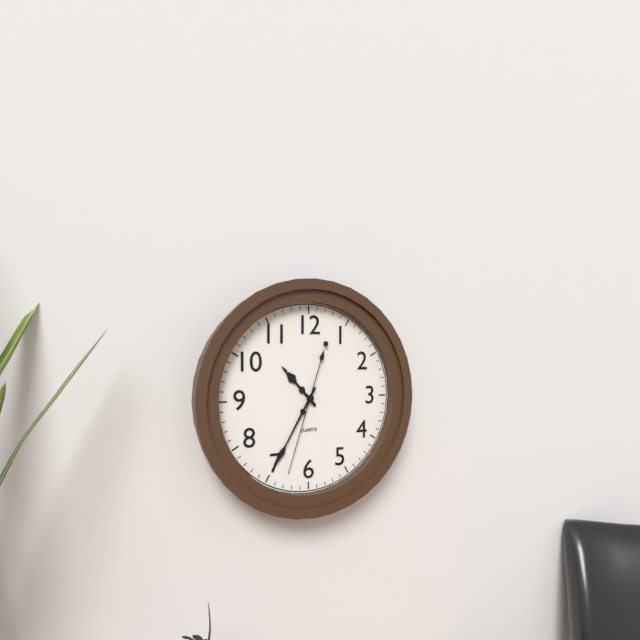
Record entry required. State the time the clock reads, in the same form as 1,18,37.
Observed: 10,35,33
